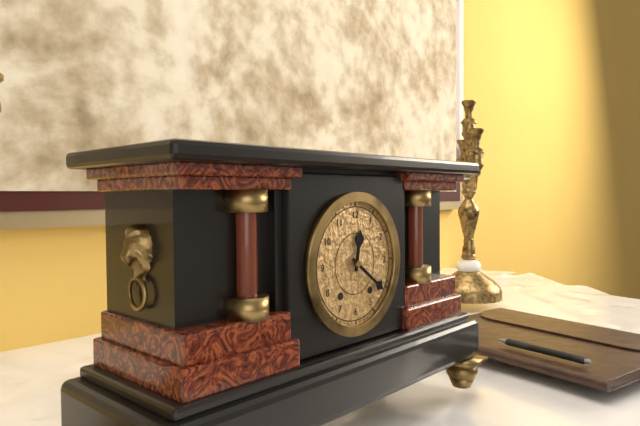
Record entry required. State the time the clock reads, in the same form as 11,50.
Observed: 12,21
